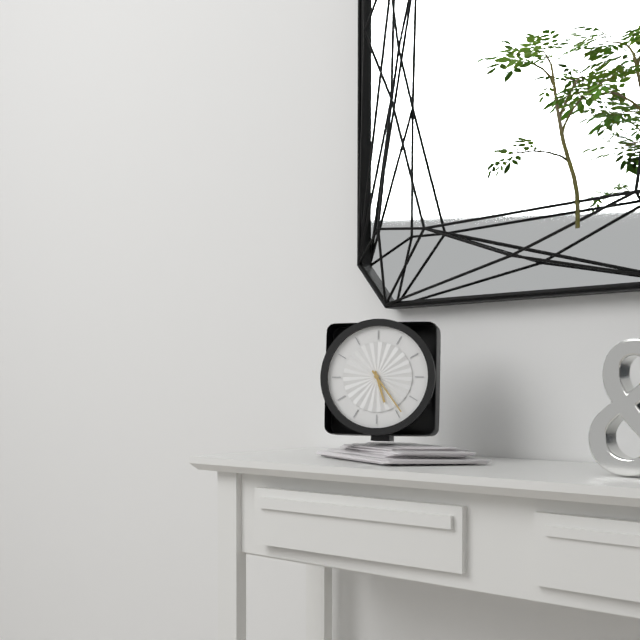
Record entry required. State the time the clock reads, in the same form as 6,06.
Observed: 5,24
